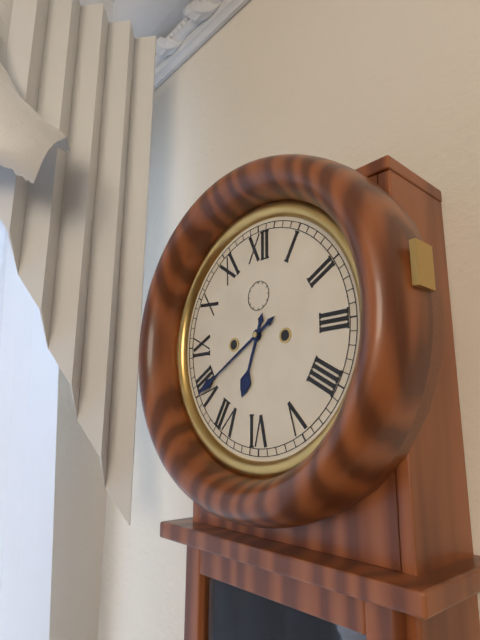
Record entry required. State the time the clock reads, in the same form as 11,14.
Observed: 6,40
